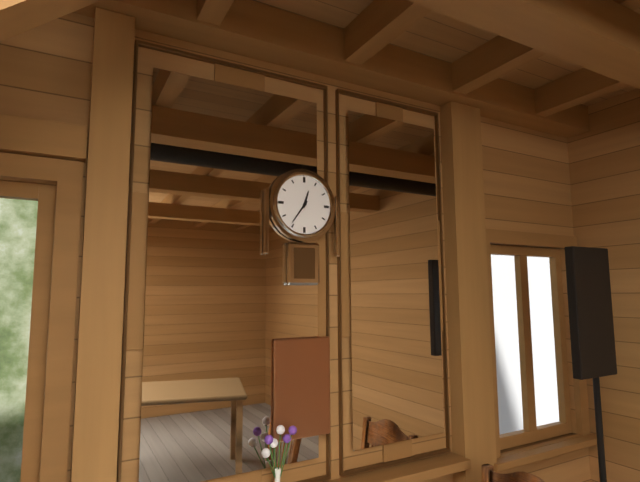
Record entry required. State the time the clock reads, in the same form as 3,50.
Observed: 12,36
